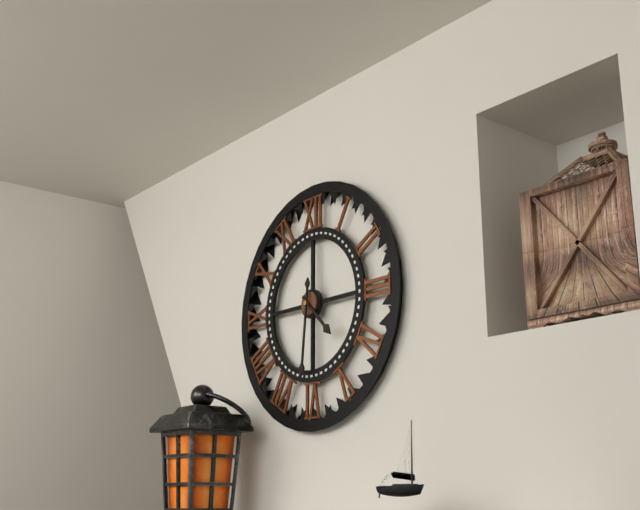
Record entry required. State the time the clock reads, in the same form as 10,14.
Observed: 4,31
